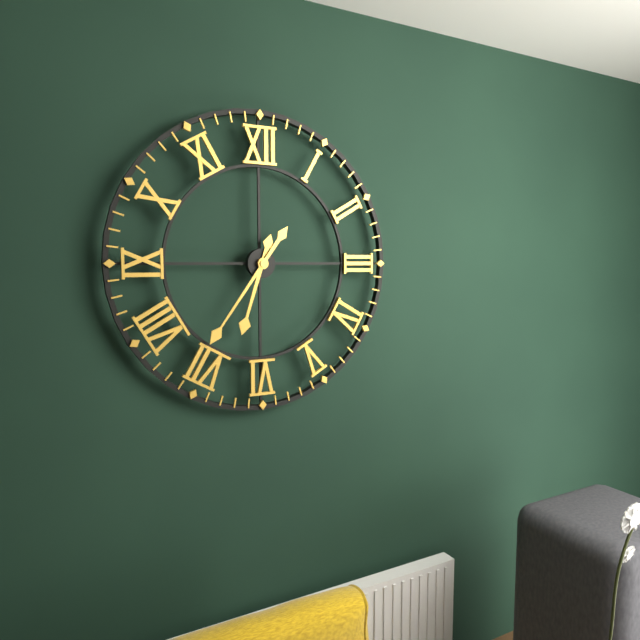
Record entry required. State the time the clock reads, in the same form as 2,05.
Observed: 6,36
